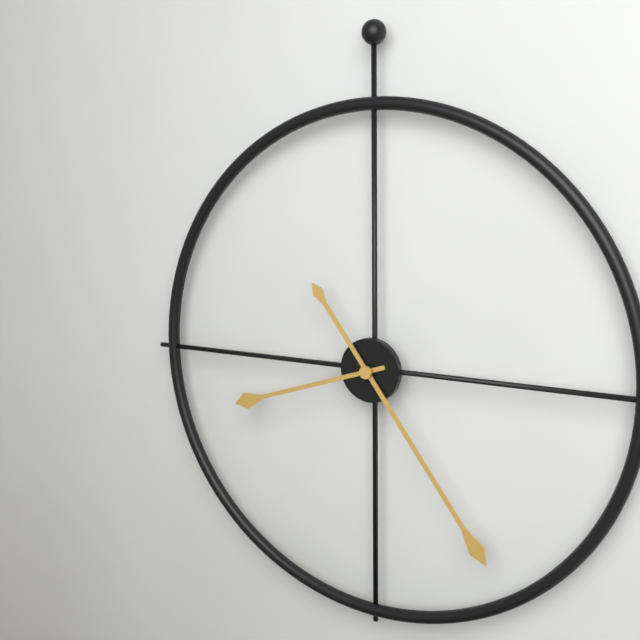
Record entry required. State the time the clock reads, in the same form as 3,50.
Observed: 8,24
